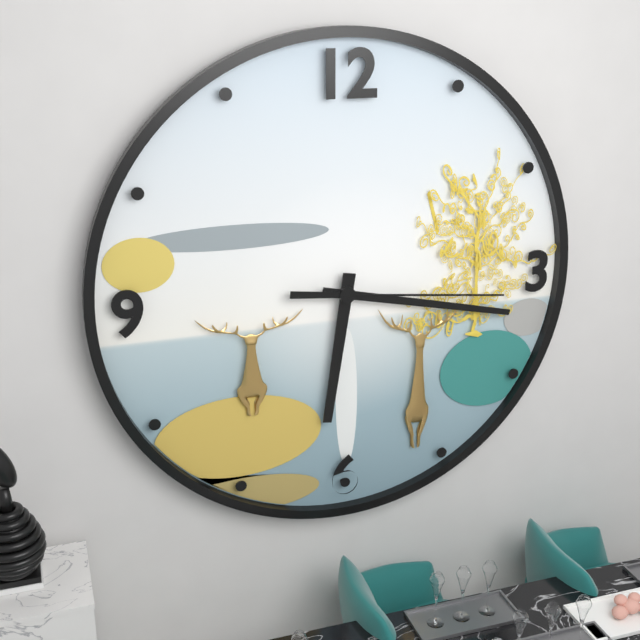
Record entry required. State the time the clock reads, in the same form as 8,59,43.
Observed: 6,17,16
